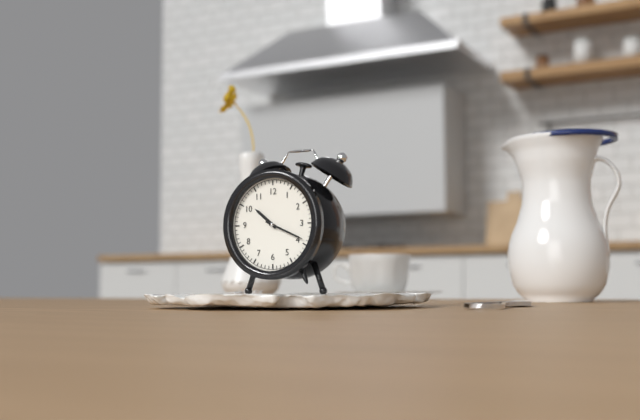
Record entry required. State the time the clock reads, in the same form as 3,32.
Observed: 10,19
